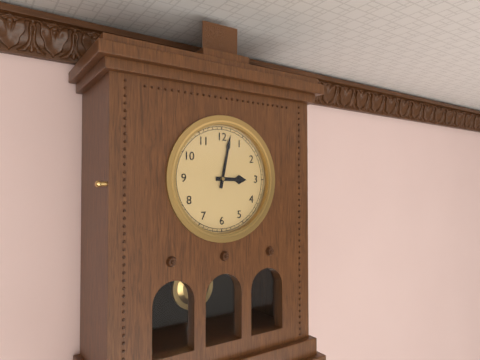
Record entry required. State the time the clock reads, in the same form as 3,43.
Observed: 3,02
